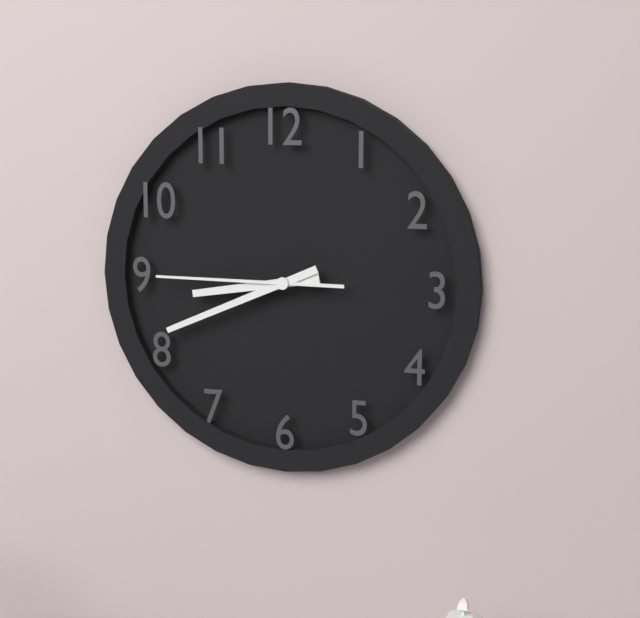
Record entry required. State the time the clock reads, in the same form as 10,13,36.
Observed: 8,41,45
